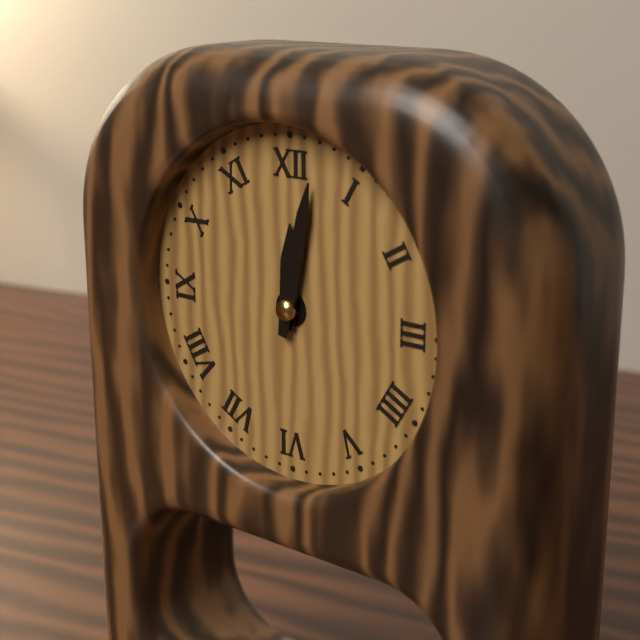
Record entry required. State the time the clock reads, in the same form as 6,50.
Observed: 12,02
